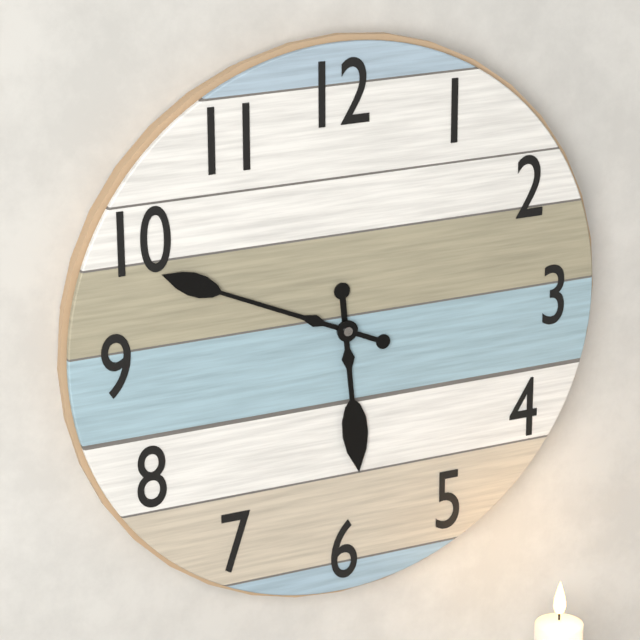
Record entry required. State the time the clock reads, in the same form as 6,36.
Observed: 5,49
